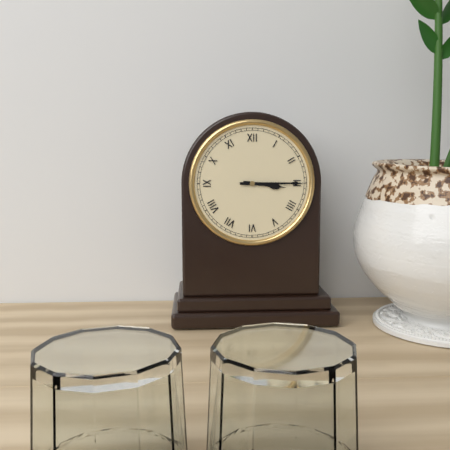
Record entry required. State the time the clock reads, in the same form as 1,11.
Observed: 3,15
